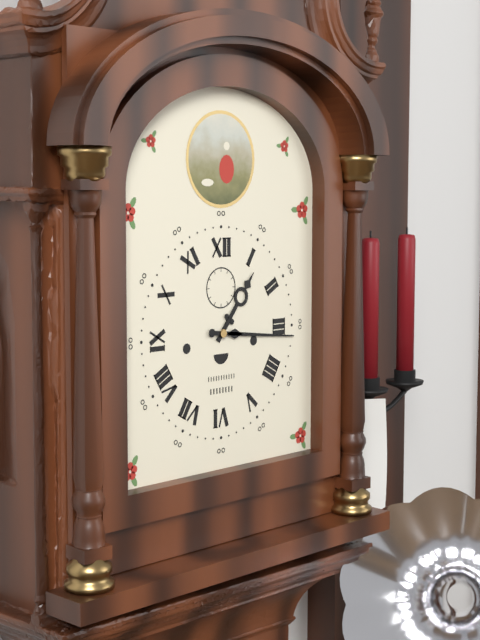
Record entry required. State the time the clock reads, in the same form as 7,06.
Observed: 1,16
